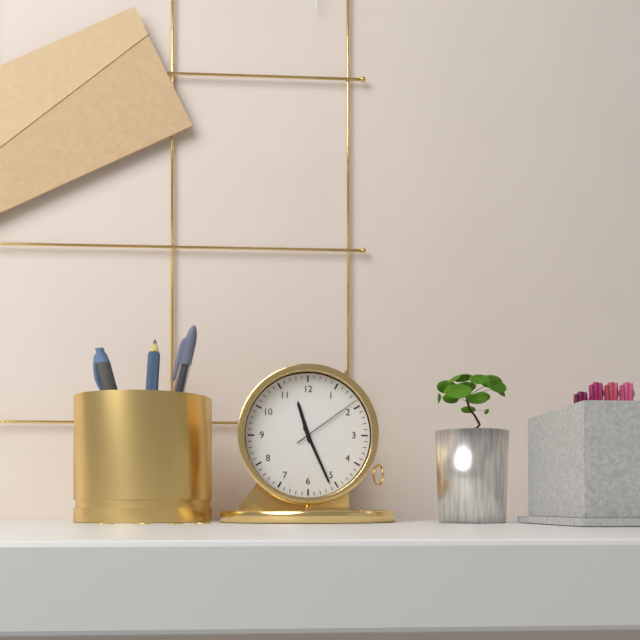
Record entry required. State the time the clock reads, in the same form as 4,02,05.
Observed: 11,26,09
